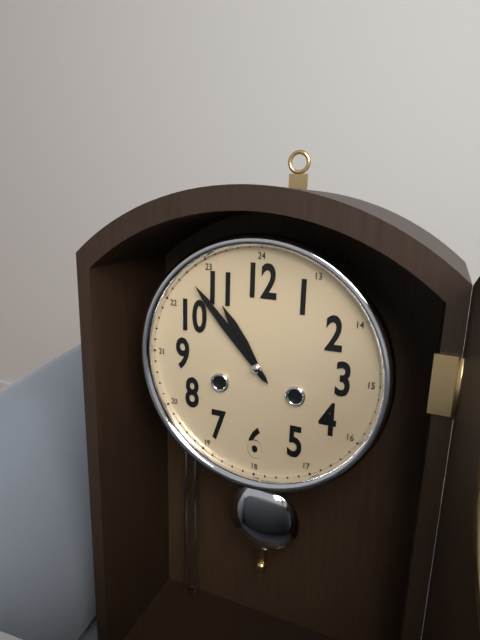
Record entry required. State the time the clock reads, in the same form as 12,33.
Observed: 10,53
